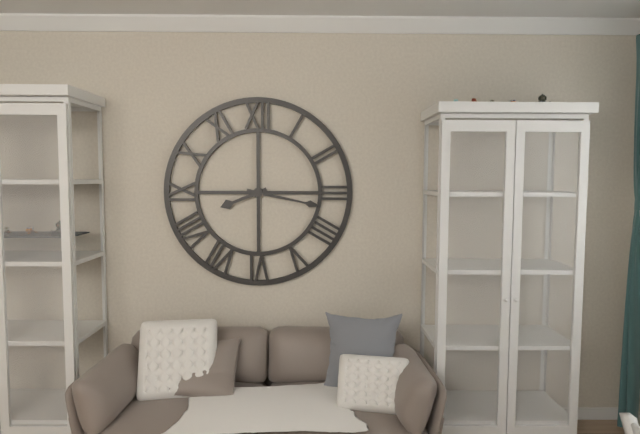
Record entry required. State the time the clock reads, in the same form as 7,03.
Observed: 8,17
